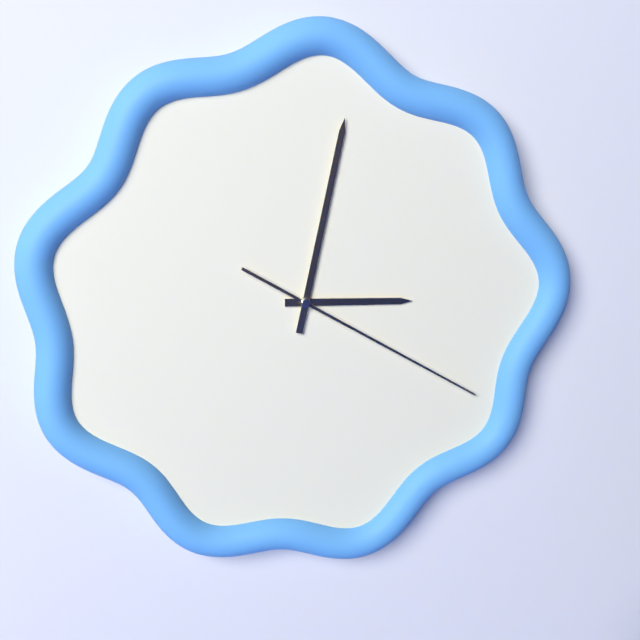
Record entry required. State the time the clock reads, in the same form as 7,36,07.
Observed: 3,02,20
